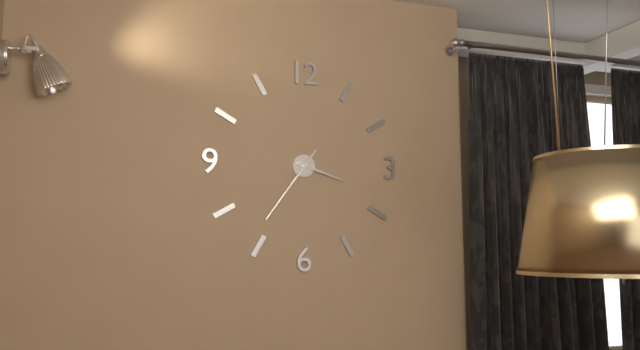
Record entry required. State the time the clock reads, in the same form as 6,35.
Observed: 3,36
